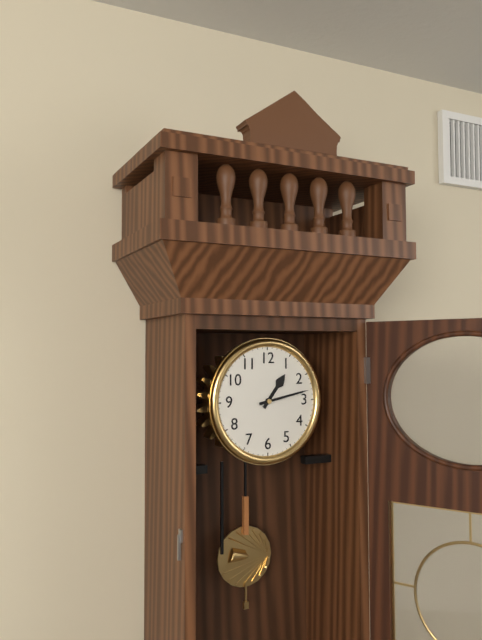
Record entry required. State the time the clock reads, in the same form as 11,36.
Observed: 1,13
